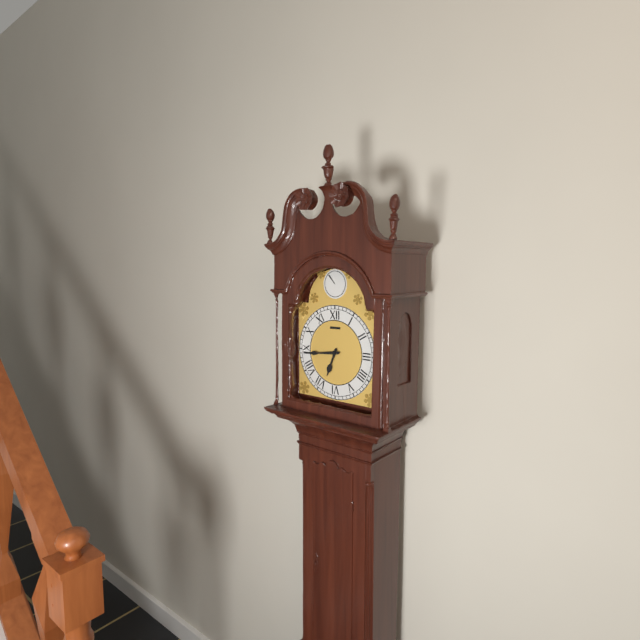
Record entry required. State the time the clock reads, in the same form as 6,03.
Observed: 6,44
